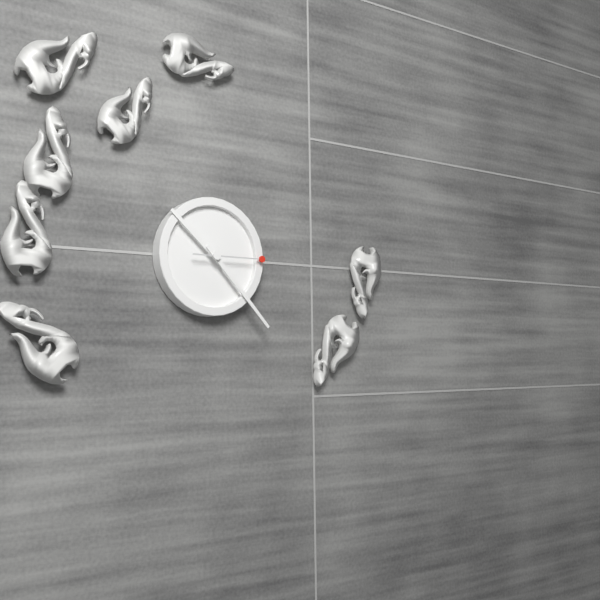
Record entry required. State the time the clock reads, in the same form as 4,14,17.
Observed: 10,23,15
